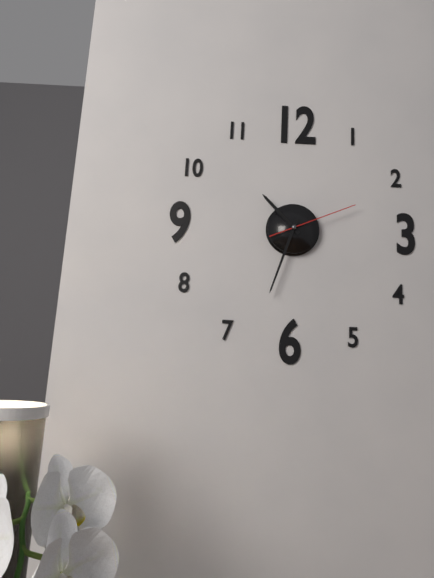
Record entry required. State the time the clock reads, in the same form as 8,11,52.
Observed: 10,33,11
